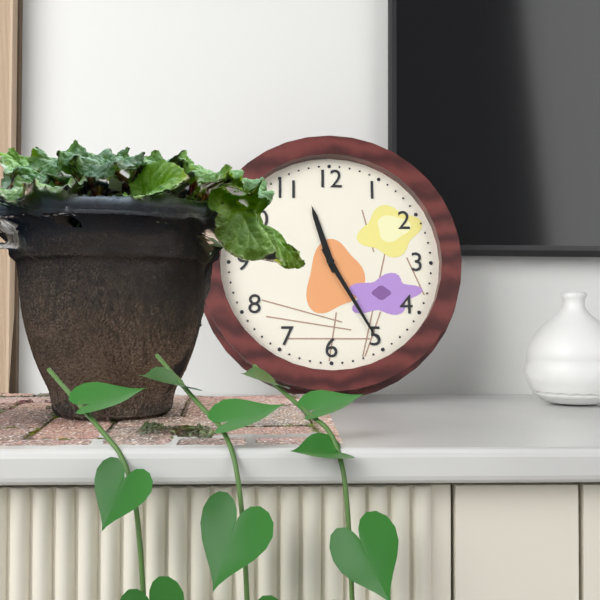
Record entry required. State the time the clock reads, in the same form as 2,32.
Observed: 11,25
